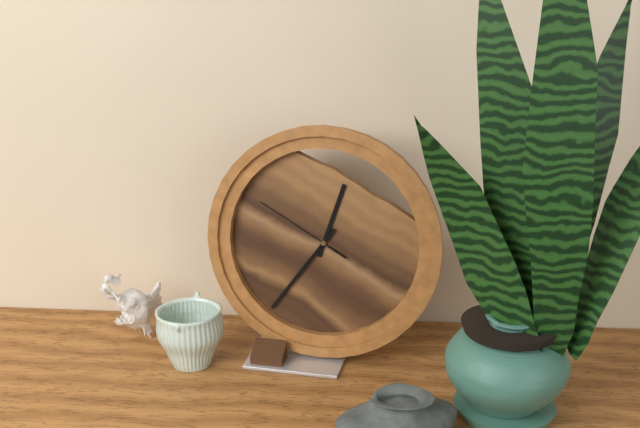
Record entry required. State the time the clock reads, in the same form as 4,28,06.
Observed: 12,36,50
